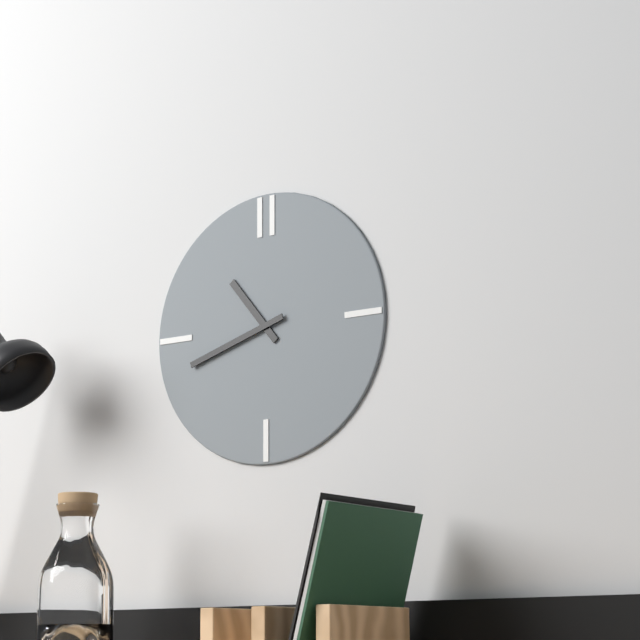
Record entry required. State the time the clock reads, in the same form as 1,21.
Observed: 10,42
